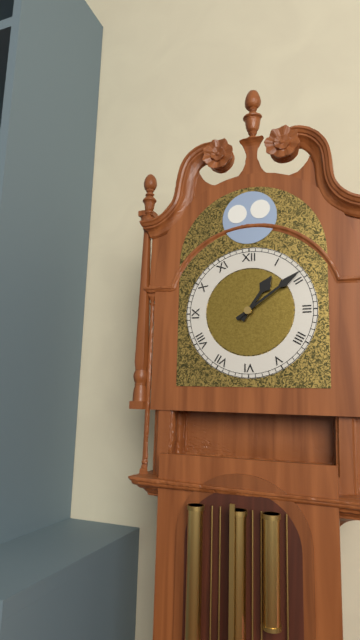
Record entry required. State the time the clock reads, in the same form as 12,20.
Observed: 1,09
